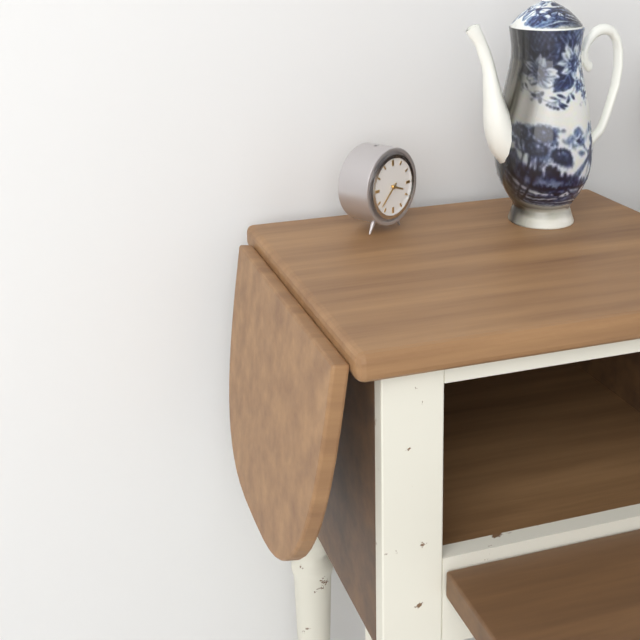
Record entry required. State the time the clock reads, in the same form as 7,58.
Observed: 3,38
